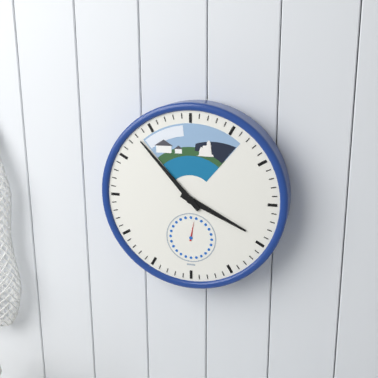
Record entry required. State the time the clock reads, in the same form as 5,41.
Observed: 3,53
